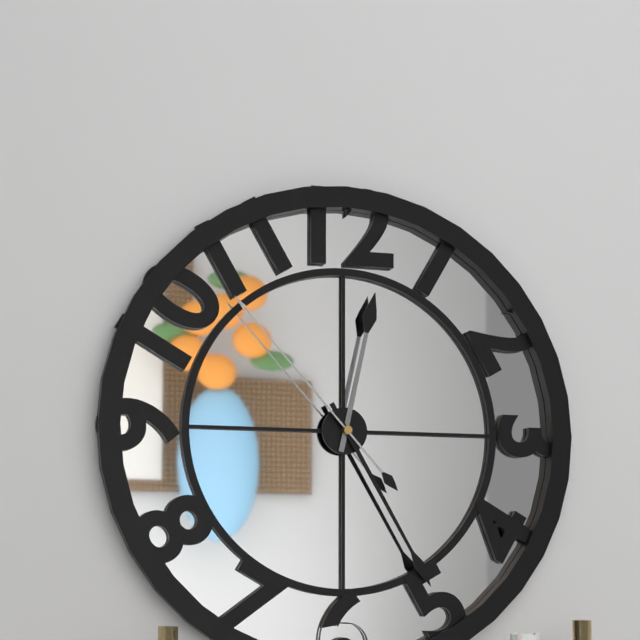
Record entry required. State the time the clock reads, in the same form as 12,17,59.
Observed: 12,25,53
